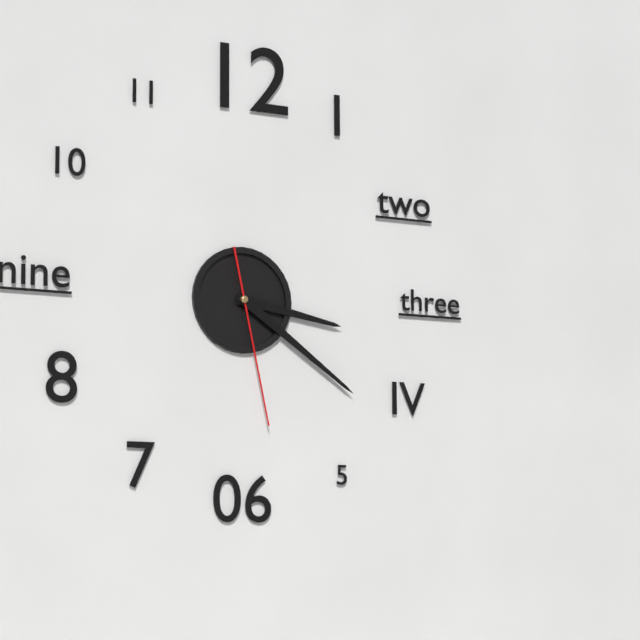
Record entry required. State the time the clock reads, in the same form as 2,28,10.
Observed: 3,21,28
